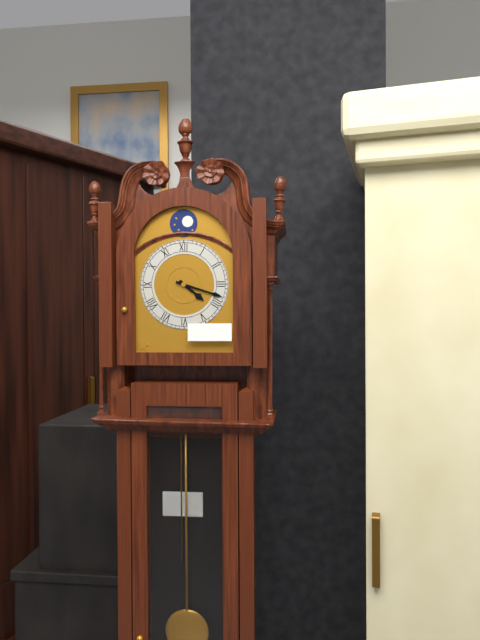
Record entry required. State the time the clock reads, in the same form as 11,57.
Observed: 4,18
